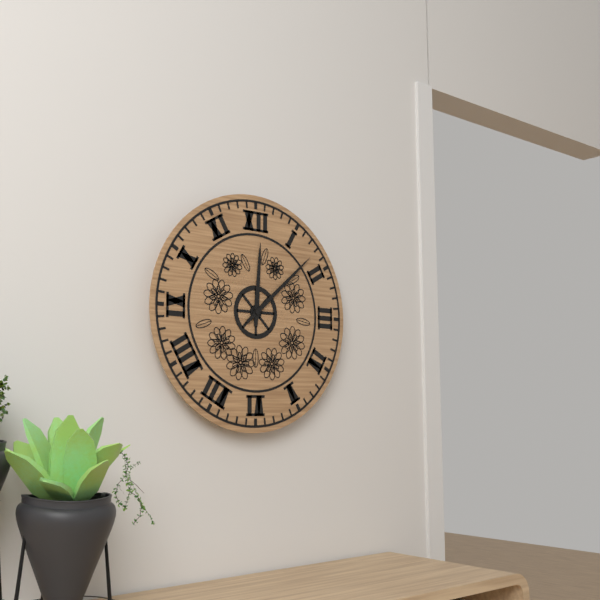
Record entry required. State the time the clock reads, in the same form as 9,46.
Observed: 12,08
